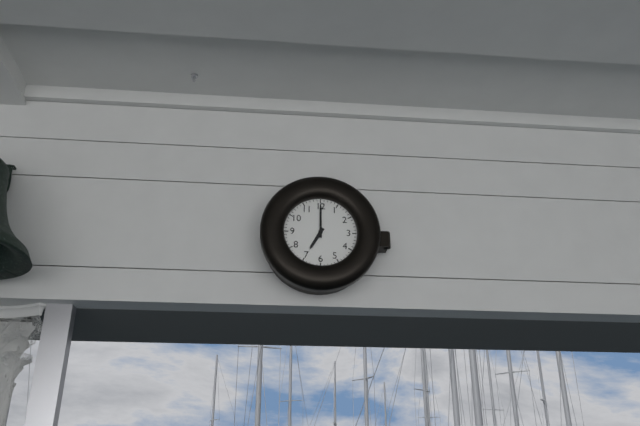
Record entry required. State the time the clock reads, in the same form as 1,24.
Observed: 7,00
